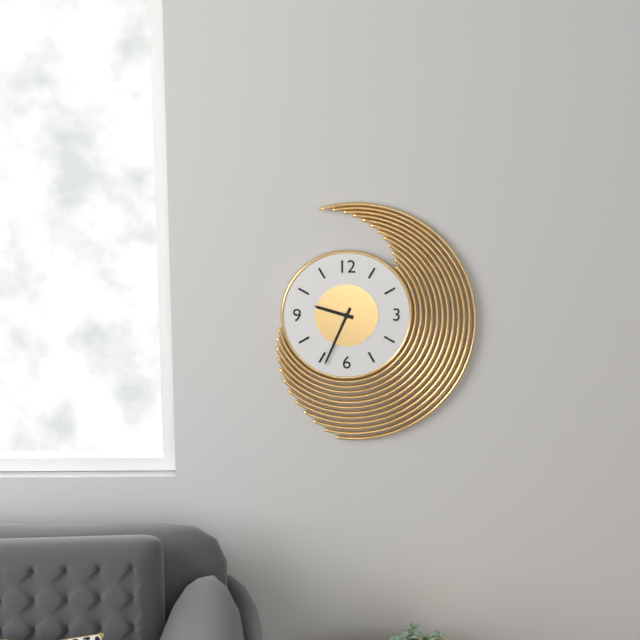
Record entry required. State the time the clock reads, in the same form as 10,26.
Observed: 9,34
